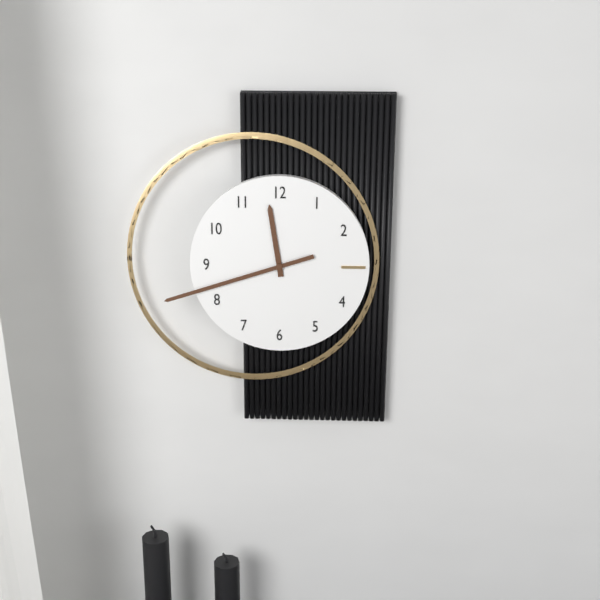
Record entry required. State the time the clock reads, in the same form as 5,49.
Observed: 11,42
